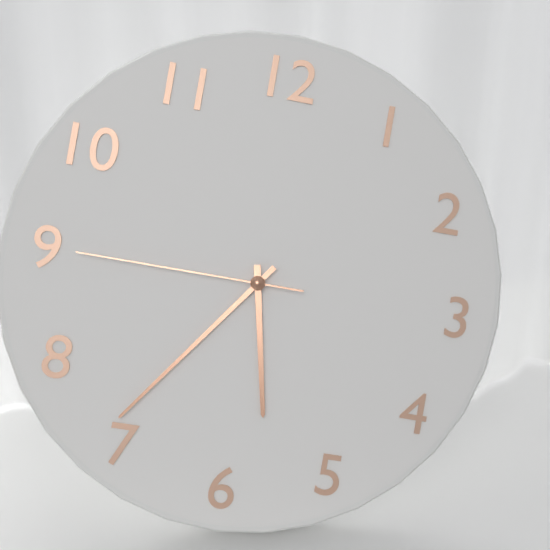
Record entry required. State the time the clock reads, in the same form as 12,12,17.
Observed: 5,36,45
